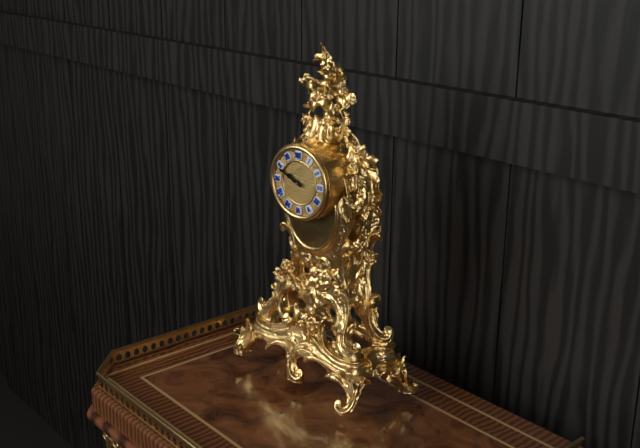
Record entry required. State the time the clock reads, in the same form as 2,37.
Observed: 9,49
